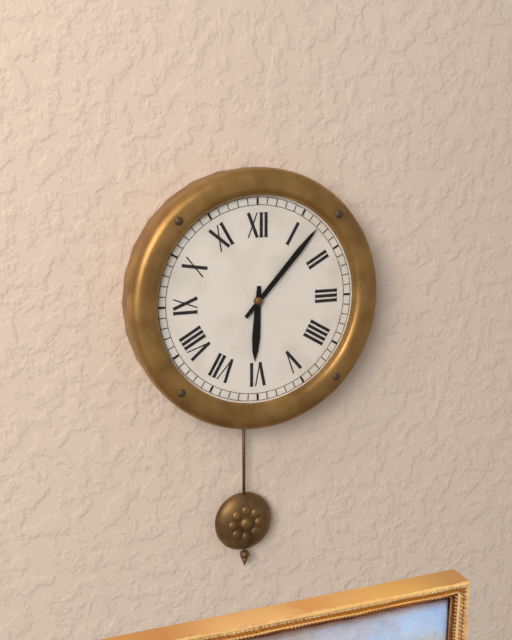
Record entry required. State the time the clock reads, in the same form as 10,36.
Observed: 6,07
